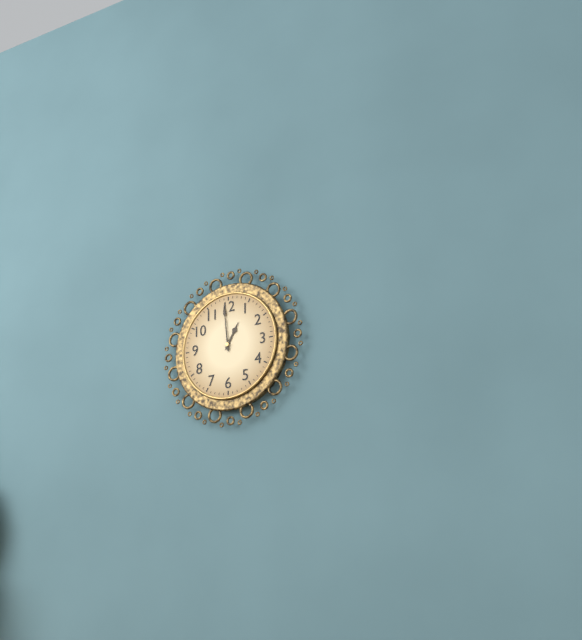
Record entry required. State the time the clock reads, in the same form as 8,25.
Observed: 12,59
